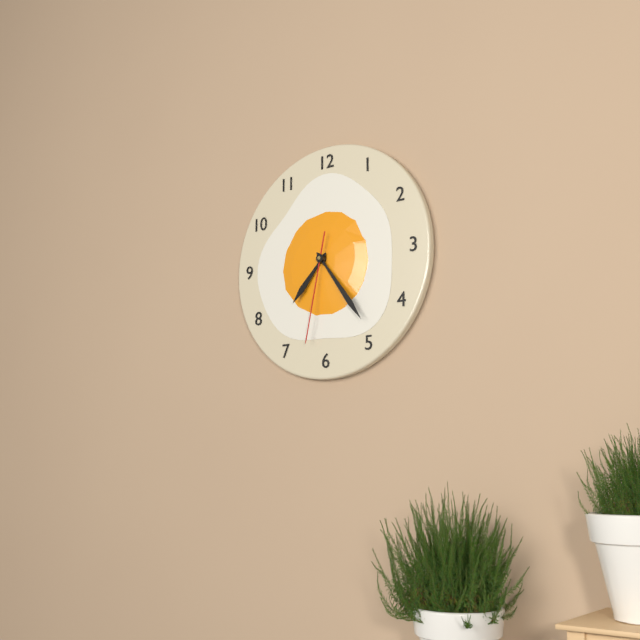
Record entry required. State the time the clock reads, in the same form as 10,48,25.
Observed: 7,24,32
